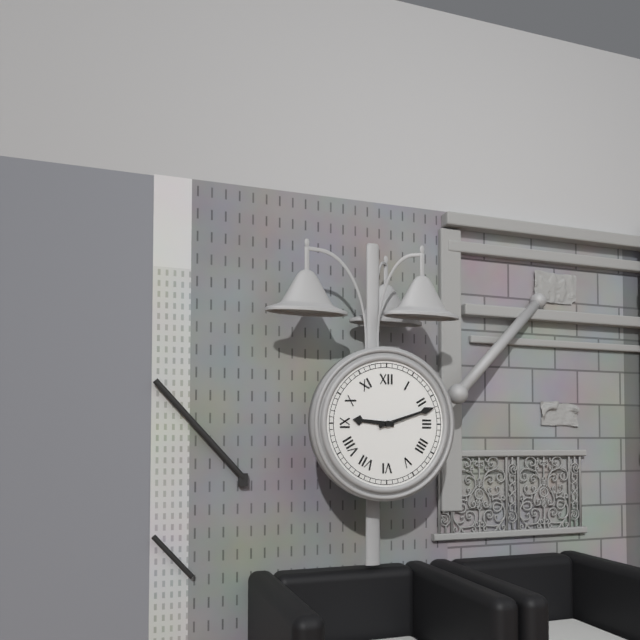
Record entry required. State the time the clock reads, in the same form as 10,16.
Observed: 9,12
